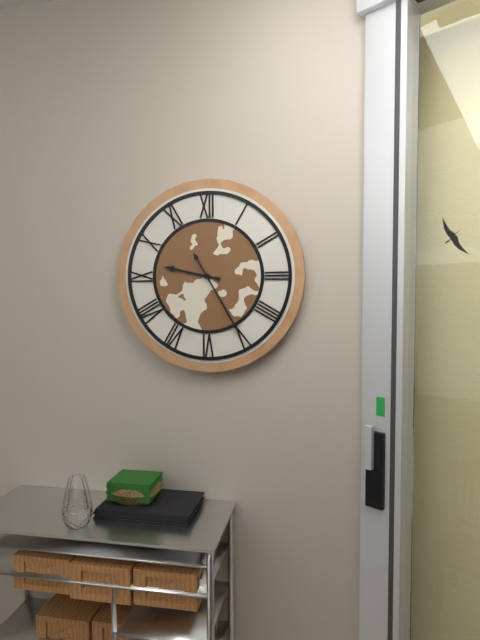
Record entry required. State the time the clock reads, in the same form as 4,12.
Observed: 9,25
